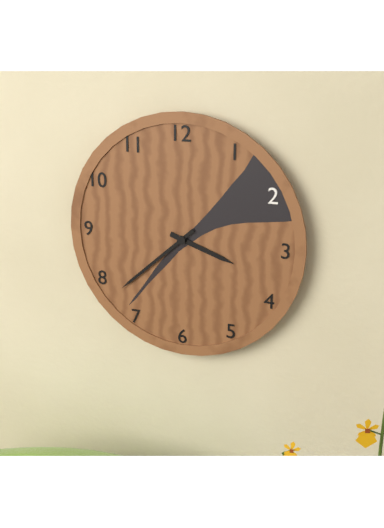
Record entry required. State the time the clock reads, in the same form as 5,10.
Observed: 3,38
